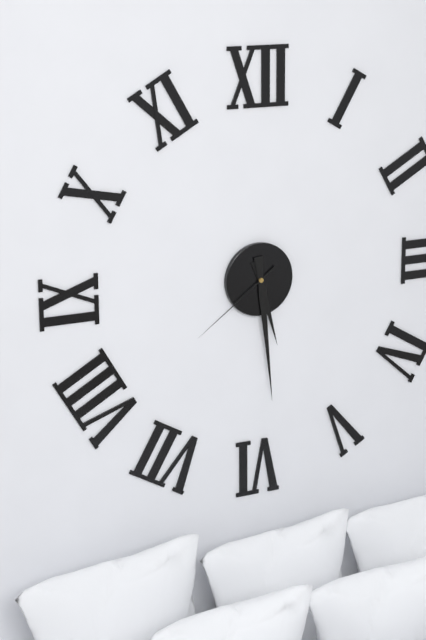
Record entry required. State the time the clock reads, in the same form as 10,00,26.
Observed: 5,29,39
